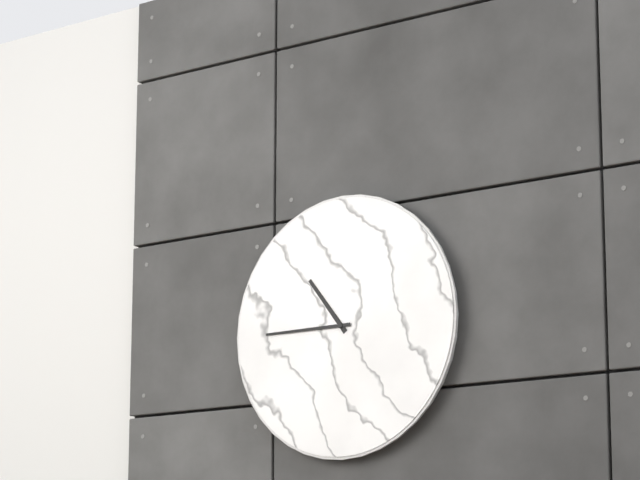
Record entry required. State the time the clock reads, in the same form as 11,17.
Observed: 10,45
